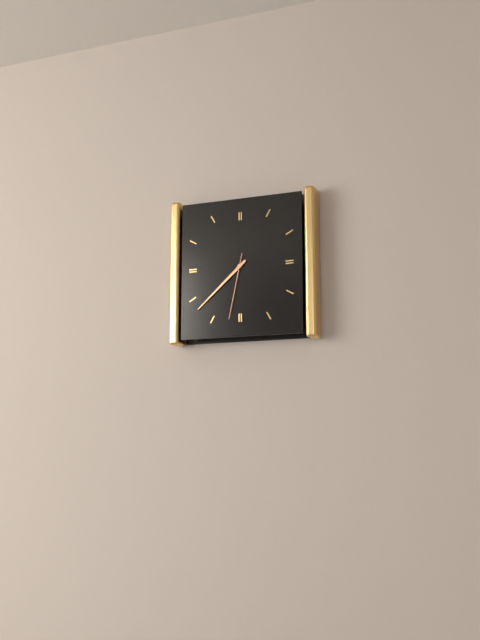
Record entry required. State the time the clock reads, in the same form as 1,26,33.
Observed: 7,38,32
